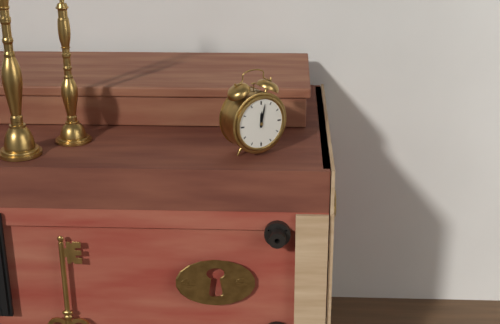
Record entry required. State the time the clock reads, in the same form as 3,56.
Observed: 12,02
